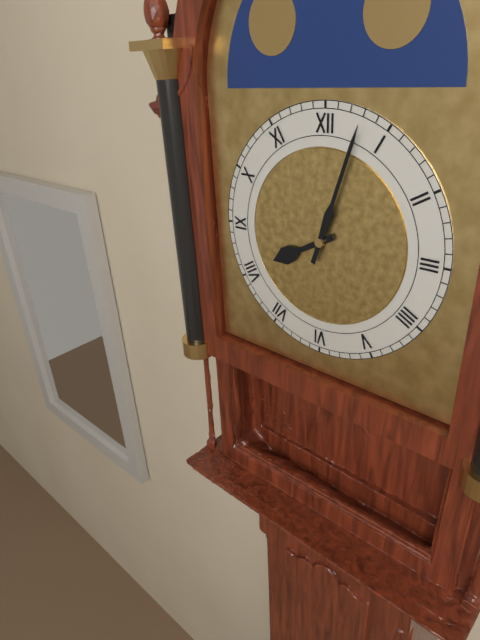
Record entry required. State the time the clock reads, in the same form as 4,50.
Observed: 8,03
